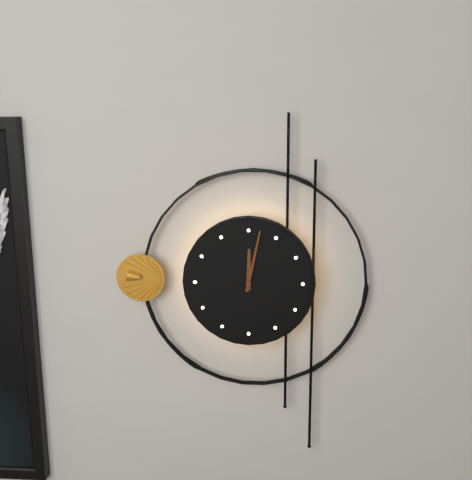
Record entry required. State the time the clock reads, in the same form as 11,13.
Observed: 12,02
